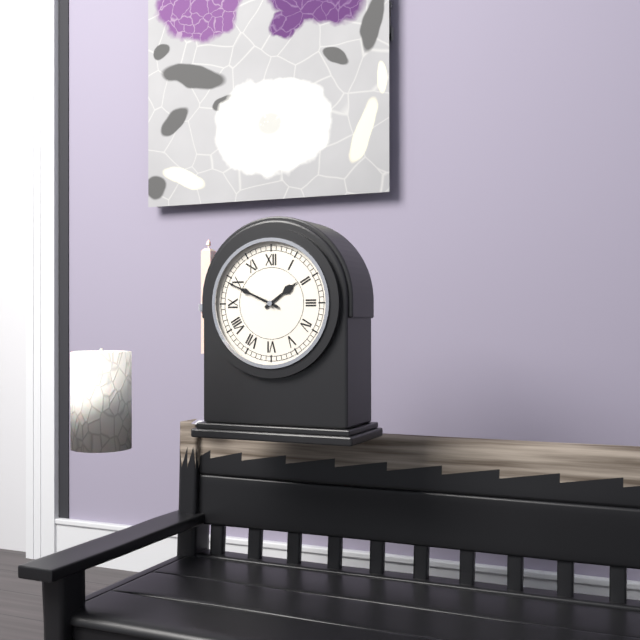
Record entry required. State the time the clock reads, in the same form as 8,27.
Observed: 1,49
